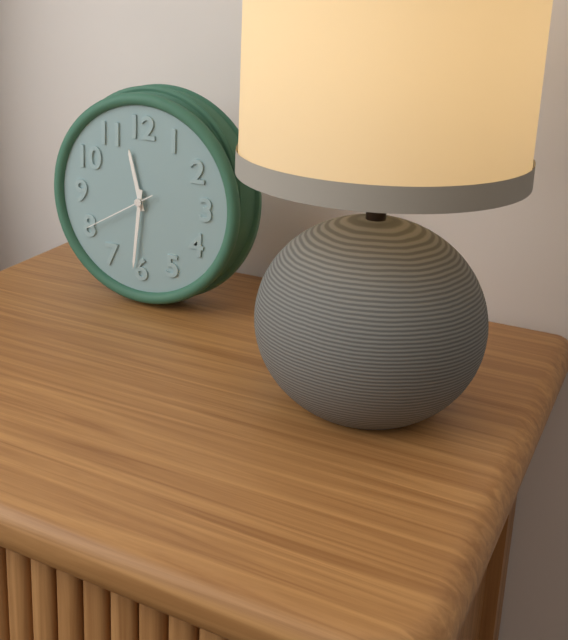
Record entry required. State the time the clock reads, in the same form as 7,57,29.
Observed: 11,31,40
